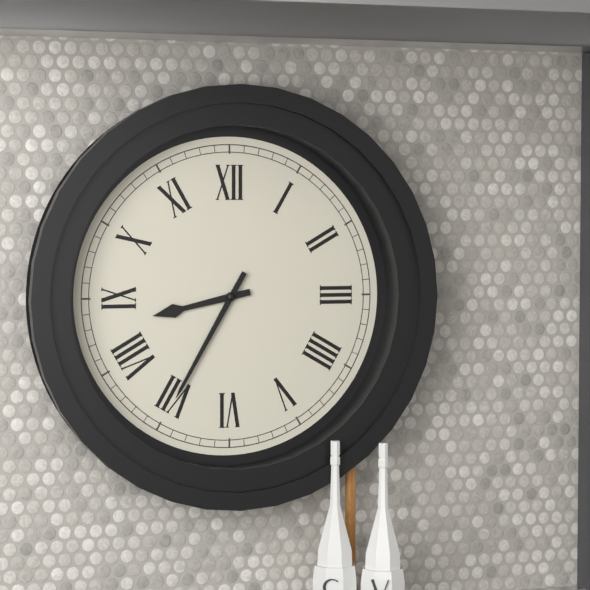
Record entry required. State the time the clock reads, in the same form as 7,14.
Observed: 8,35
